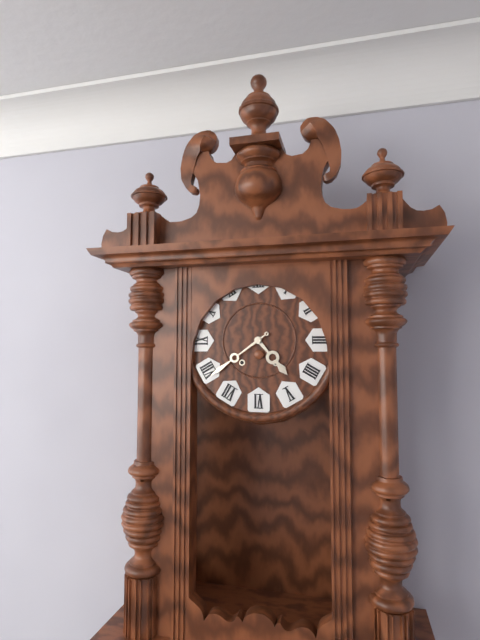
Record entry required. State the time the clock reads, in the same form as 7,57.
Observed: 4,39
